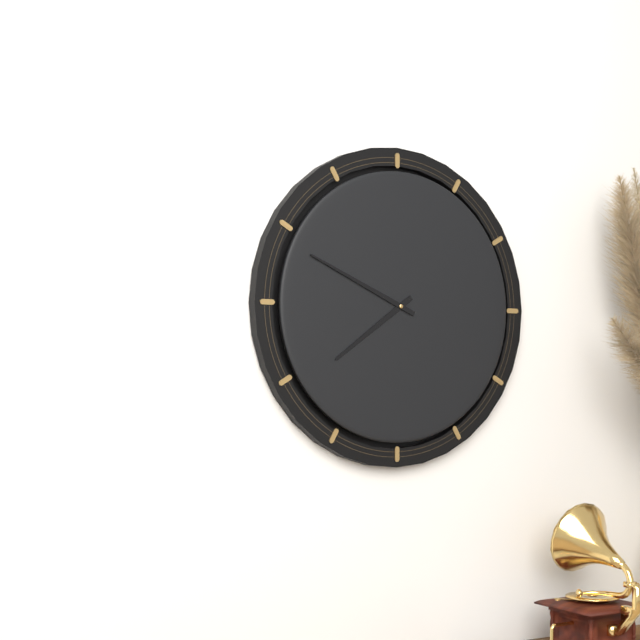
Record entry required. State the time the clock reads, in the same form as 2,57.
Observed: 7,49
